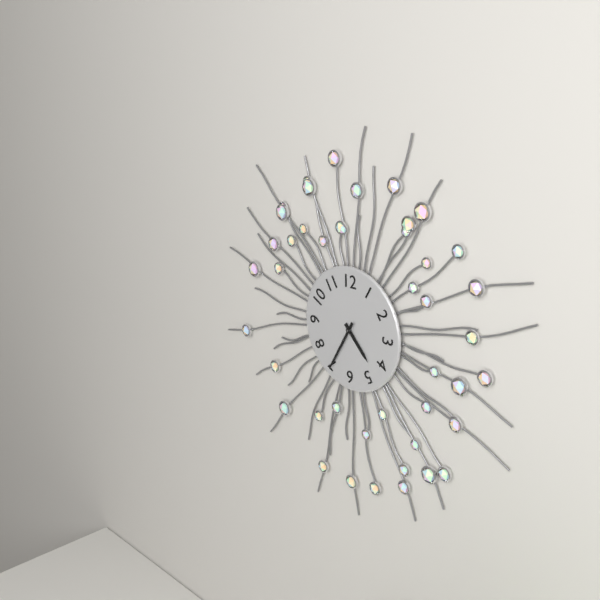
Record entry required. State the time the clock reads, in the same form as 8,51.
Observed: 4,35
